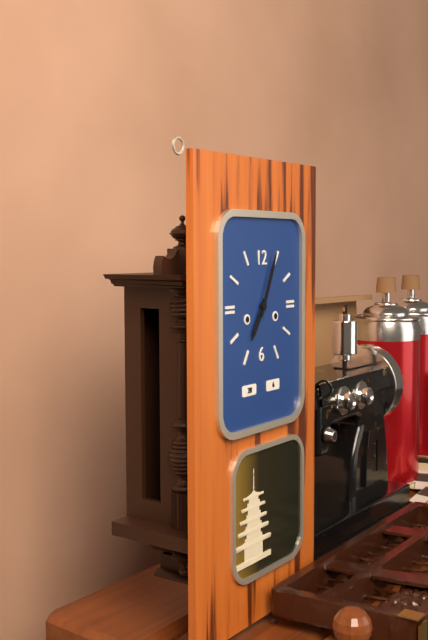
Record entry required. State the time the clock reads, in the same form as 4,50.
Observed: 7,04
